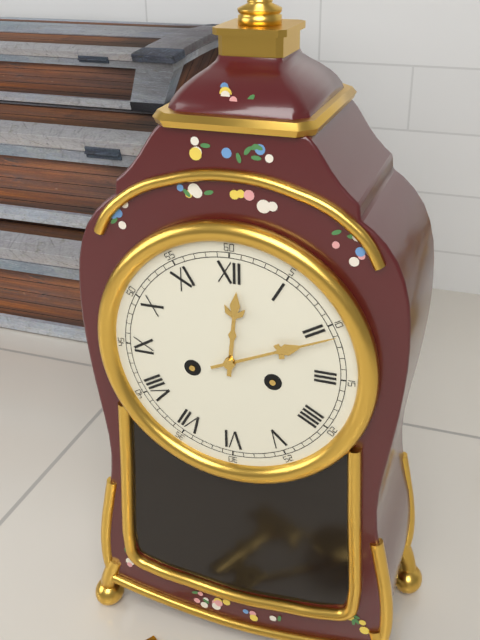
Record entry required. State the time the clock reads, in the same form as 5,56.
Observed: 12,11
